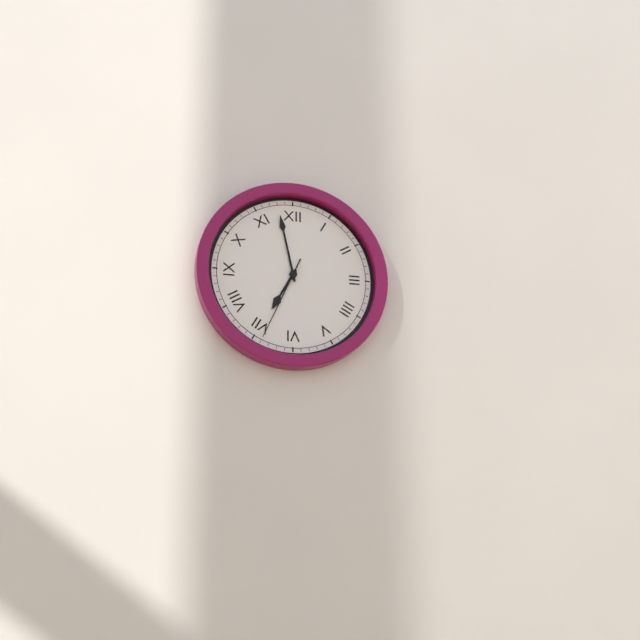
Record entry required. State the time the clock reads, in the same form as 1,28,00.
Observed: 6,58,34
